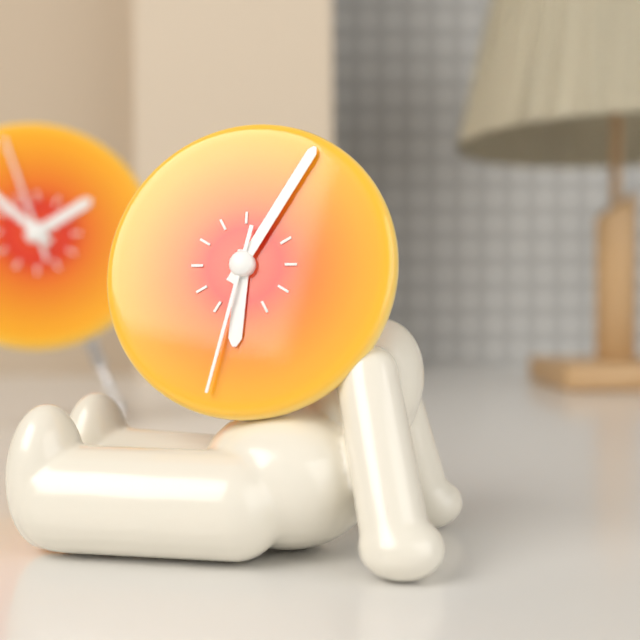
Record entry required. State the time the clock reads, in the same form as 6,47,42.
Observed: 6,05,32
